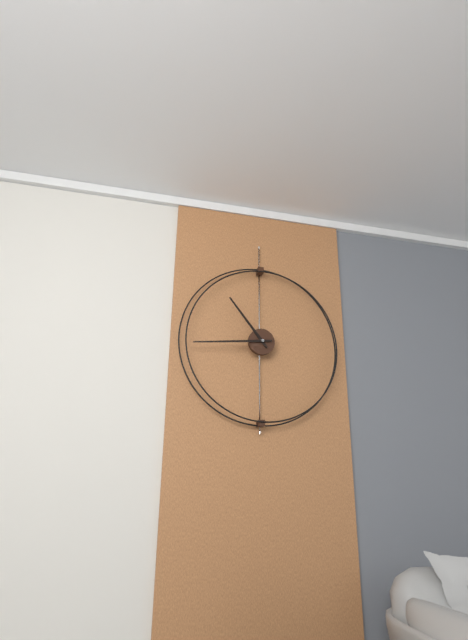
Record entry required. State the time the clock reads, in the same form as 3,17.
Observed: 10,44
